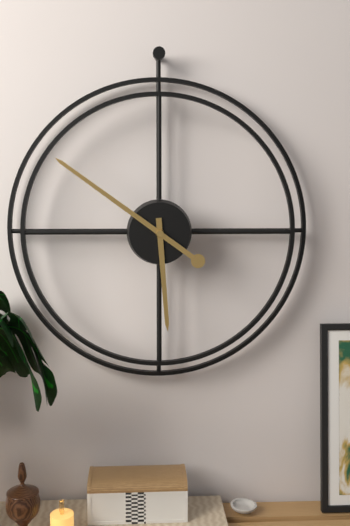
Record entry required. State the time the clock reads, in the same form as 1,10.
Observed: 5,51
